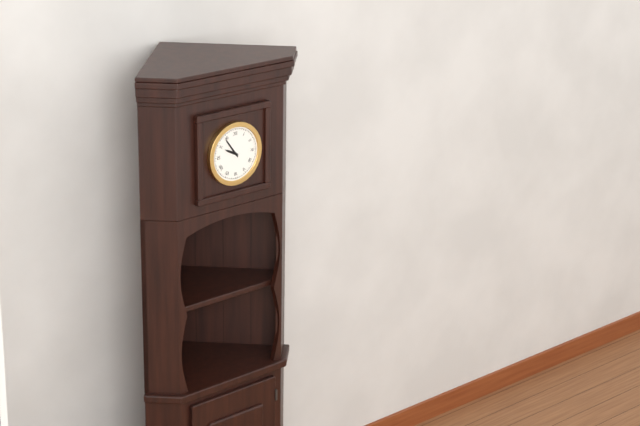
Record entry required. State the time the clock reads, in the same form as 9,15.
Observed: 9,54
